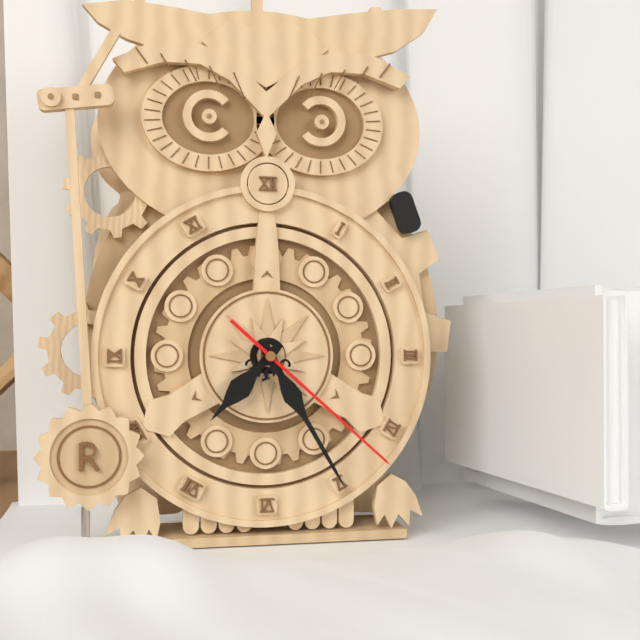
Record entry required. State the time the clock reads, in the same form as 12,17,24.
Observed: 7,25,22
